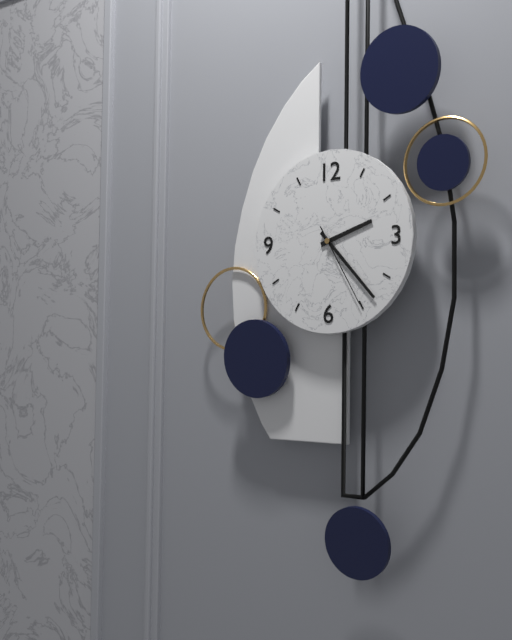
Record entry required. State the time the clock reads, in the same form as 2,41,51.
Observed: 2,23,25
